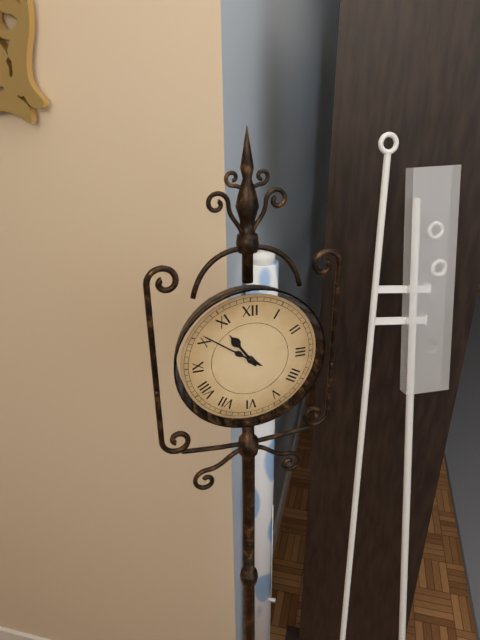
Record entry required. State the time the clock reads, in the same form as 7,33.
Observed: 10,51
